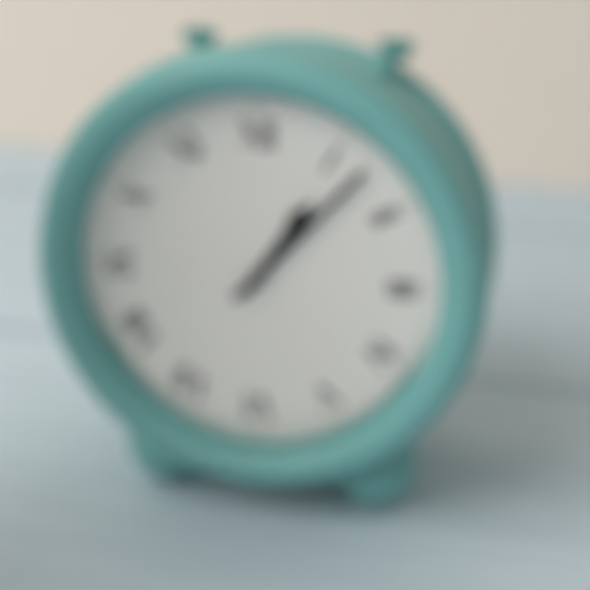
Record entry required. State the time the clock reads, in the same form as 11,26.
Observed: 1,07
